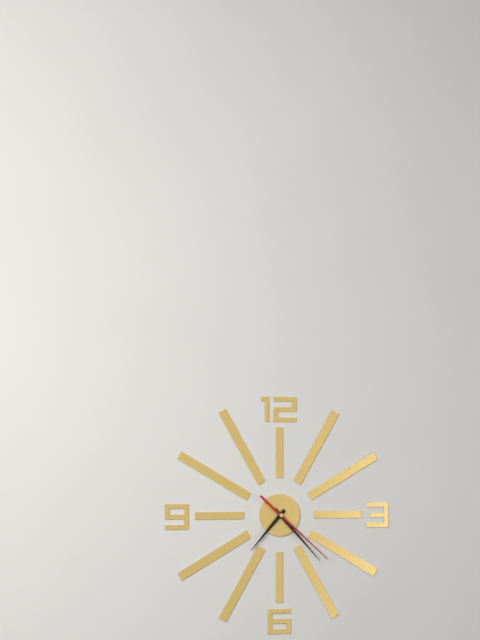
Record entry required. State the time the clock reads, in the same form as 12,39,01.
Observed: 7,23,22
